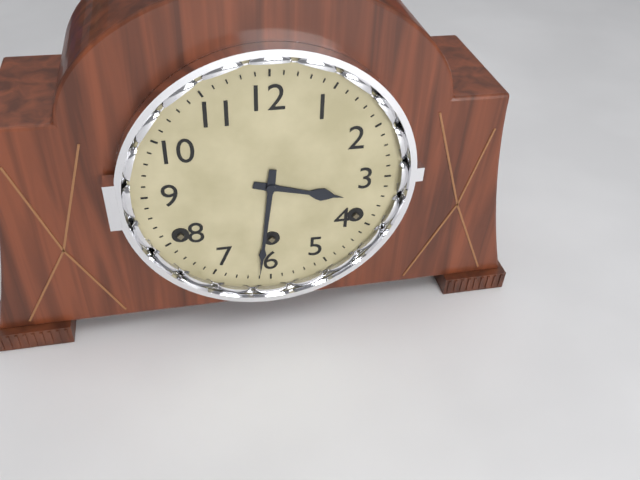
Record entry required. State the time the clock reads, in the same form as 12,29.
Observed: 3,31
